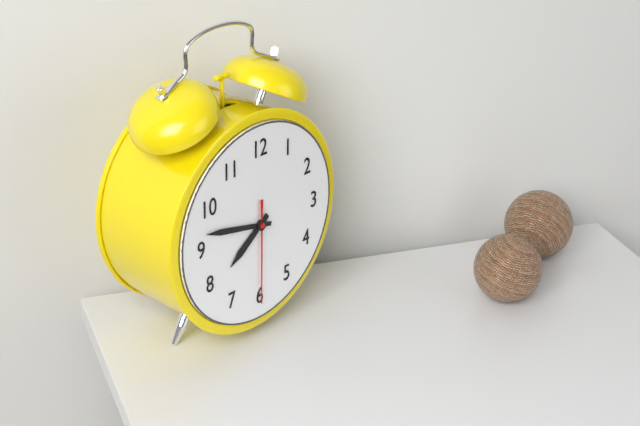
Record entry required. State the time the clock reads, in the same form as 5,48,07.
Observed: 7,47,30
